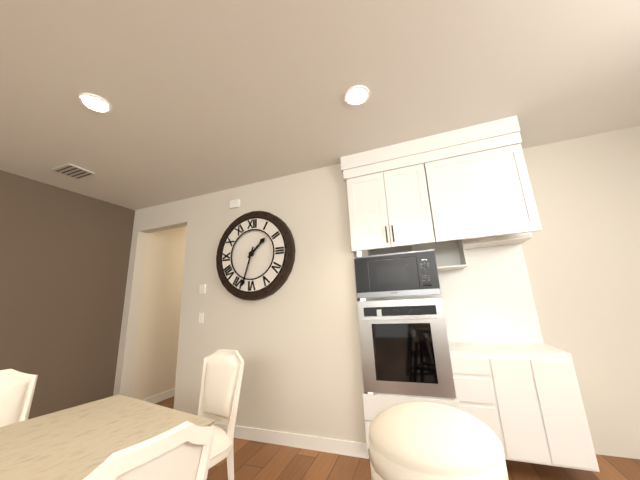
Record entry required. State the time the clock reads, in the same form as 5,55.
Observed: 1,33
